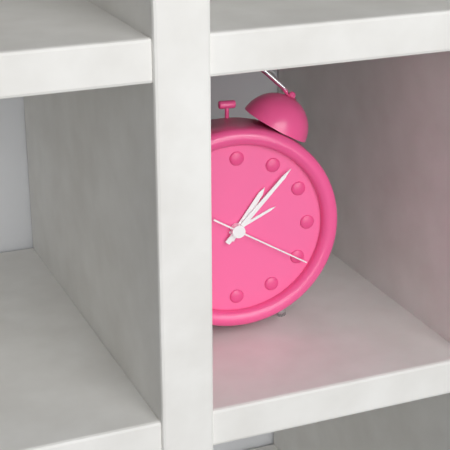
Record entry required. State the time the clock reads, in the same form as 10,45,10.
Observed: 1,07,20
